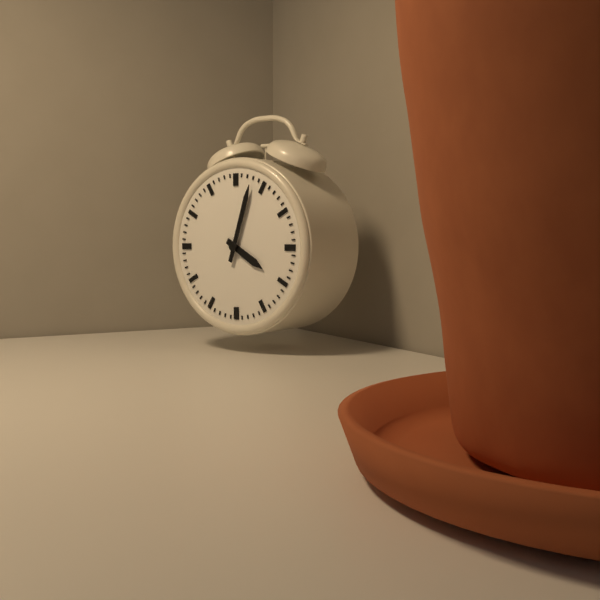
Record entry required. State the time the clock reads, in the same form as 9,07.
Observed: 4,03
